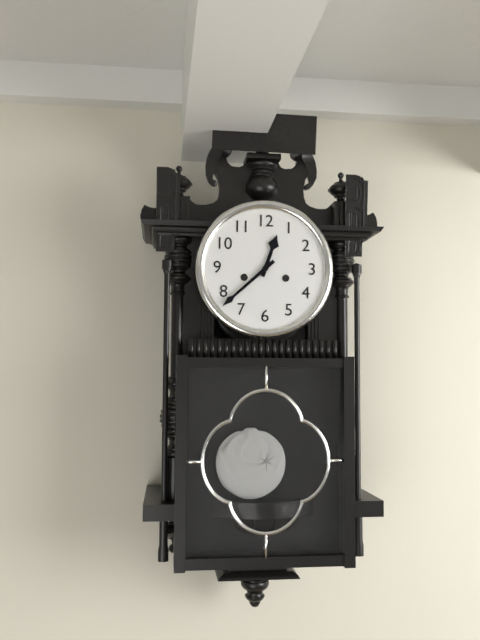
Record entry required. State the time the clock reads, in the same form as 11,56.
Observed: 12,38
